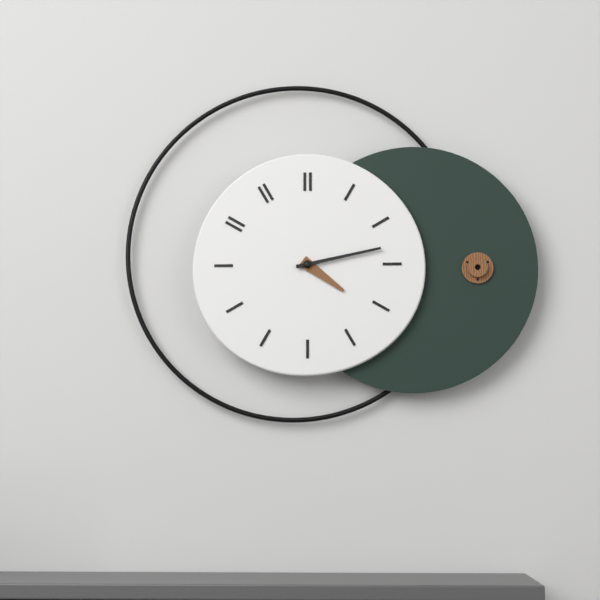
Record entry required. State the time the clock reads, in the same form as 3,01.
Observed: 4,13
